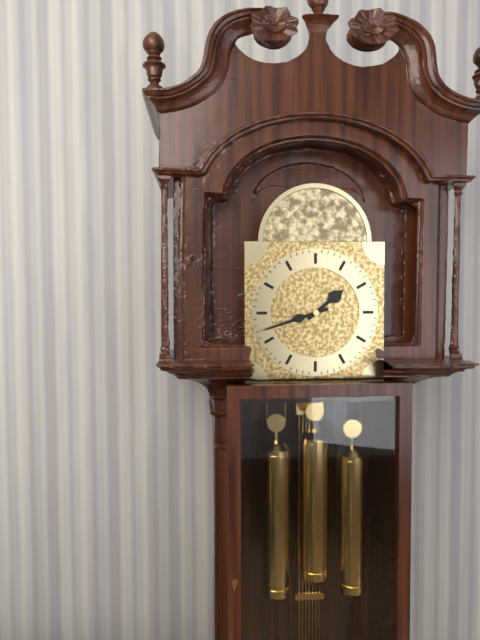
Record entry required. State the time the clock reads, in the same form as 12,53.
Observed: 1,42
